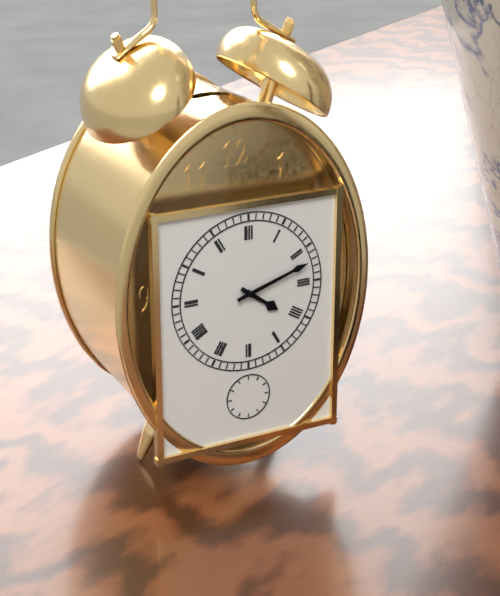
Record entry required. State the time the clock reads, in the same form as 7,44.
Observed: 4,12
